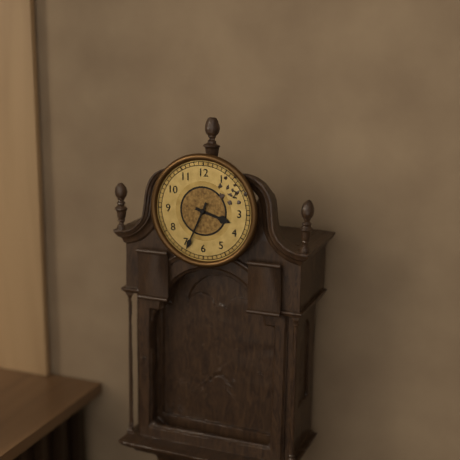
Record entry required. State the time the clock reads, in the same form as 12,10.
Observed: 3,34
